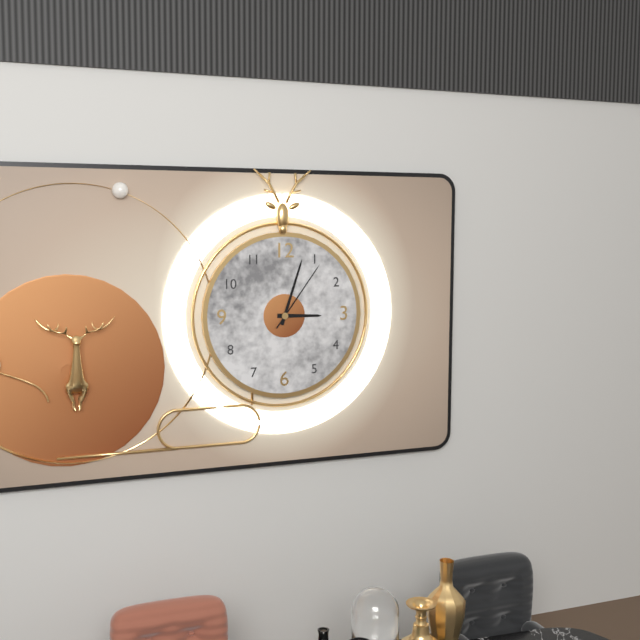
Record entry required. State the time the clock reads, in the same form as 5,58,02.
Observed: 3,03,06
